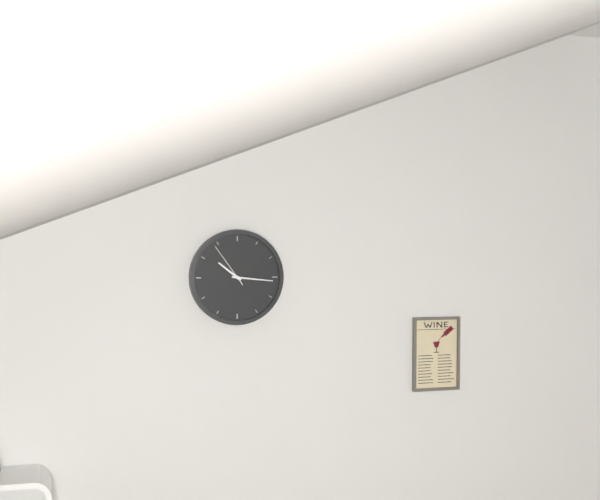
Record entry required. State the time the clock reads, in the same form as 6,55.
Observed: 10,16
